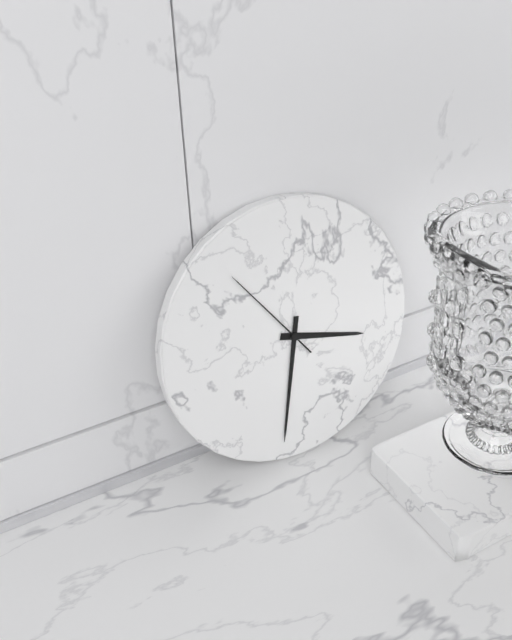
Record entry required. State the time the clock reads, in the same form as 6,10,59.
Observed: 3,32,54
